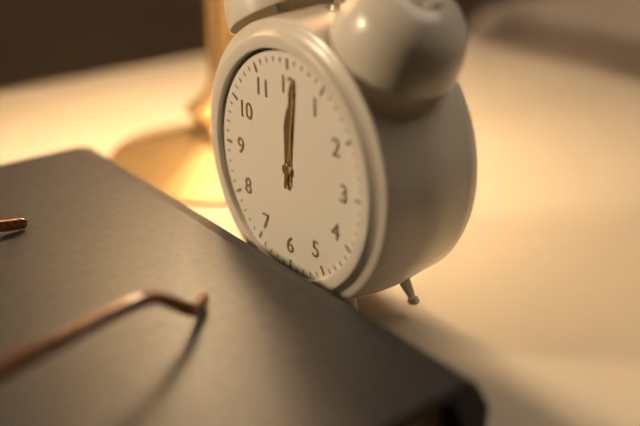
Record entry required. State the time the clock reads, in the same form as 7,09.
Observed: 12,01
